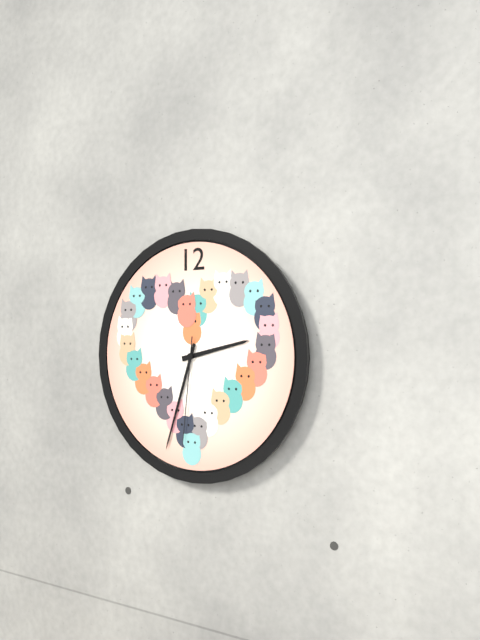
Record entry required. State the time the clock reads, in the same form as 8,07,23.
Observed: 2,33,31
